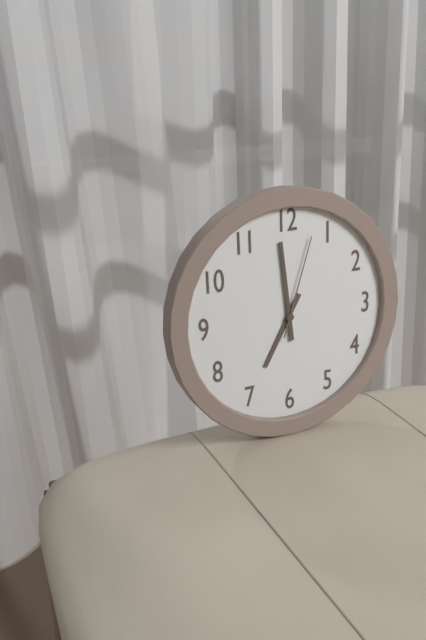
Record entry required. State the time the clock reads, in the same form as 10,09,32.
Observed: 6,59,03
